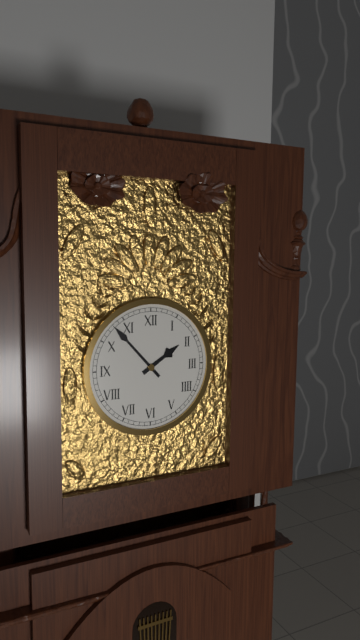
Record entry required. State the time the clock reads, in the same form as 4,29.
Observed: 1,53
